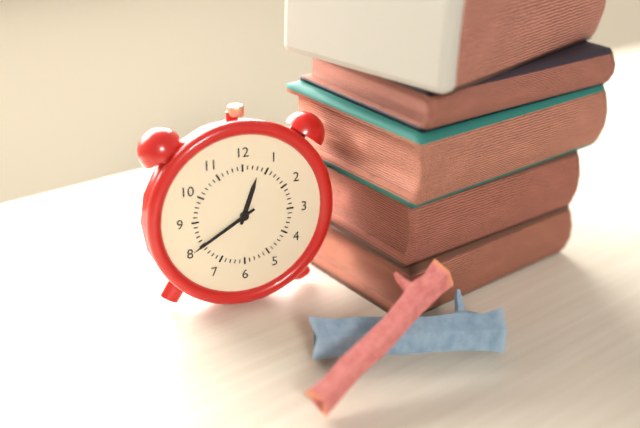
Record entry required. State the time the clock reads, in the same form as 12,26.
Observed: 12,40
